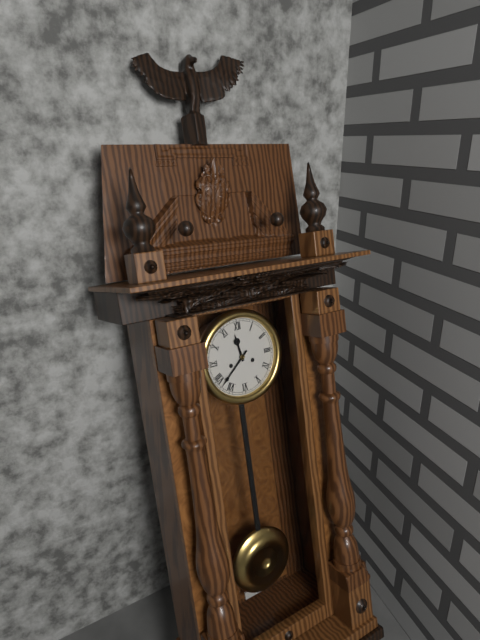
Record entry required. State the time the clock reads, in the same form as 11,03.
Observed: 11,38
